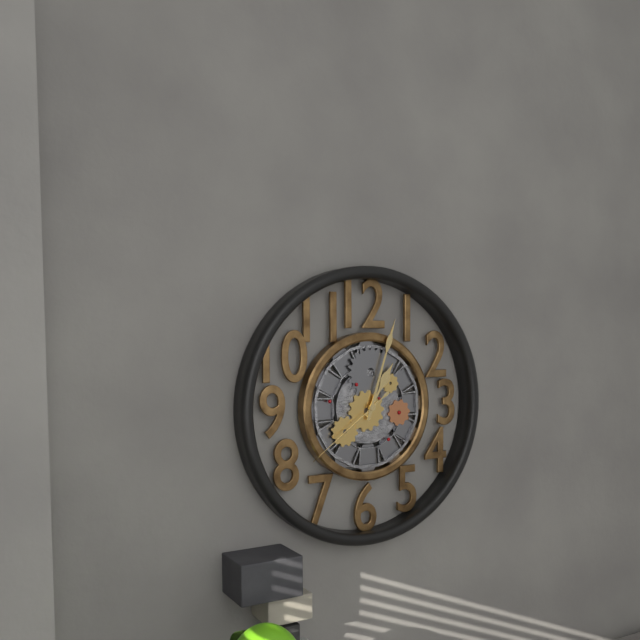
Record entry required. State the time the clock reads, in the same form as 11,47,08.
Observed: 1,03,39
